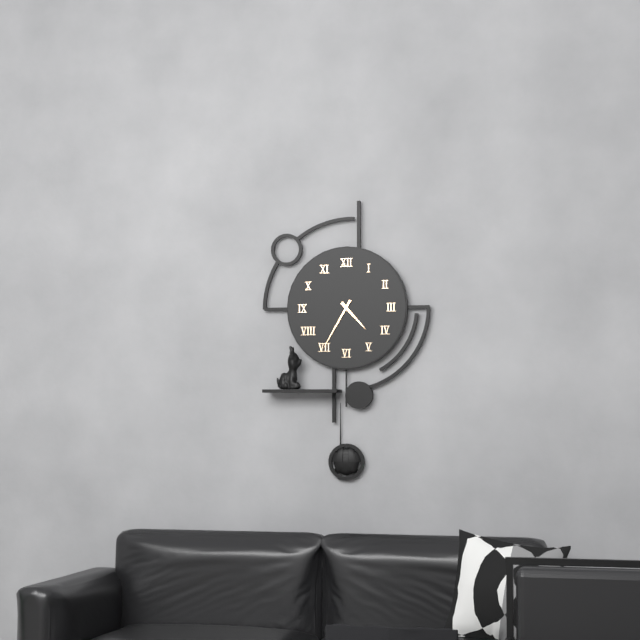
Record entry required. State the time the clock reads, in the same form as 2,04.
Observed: 4,35
